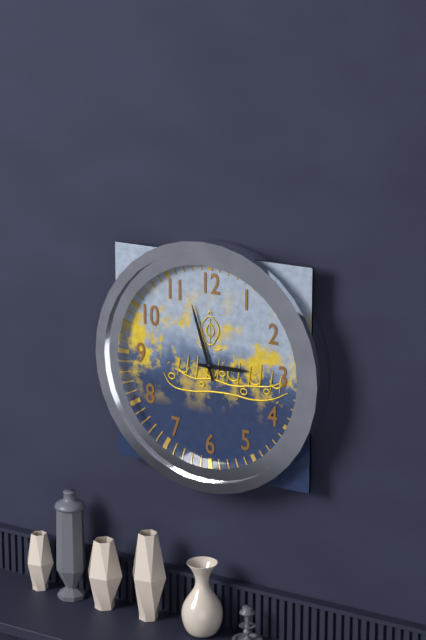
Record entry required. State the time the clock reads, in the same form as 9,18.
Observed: 2,57
